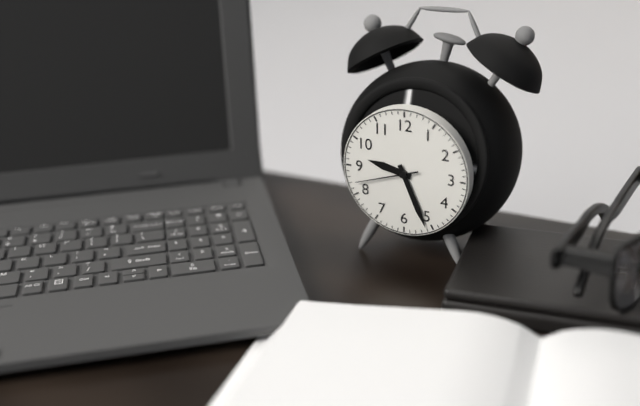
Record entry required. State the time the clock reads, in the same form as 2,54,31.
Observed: 9,26,42
